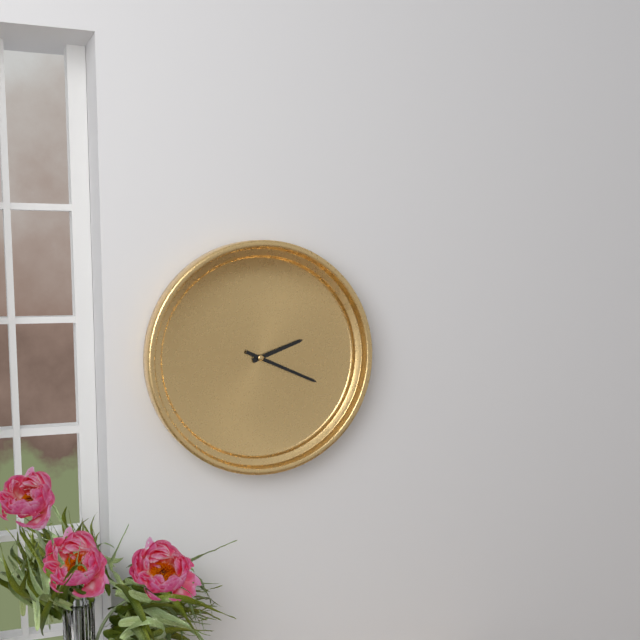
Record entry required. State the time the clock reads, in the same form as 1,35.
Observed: 2,19
